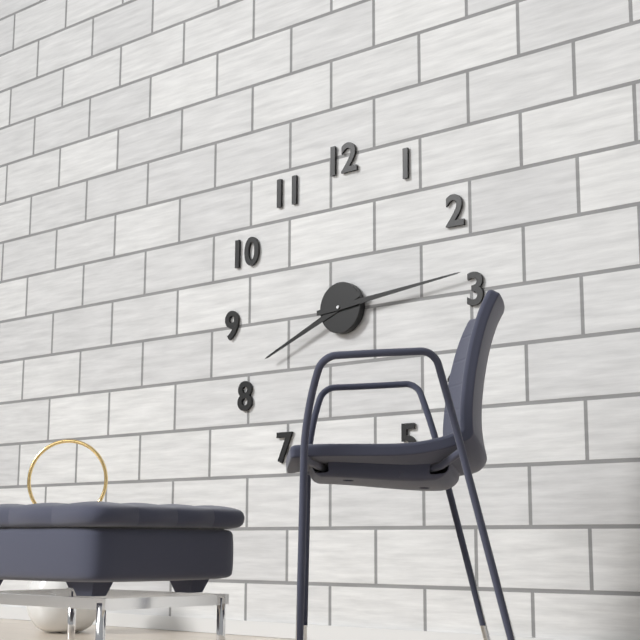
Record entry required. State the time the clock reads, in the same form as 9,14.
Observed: 8,14
